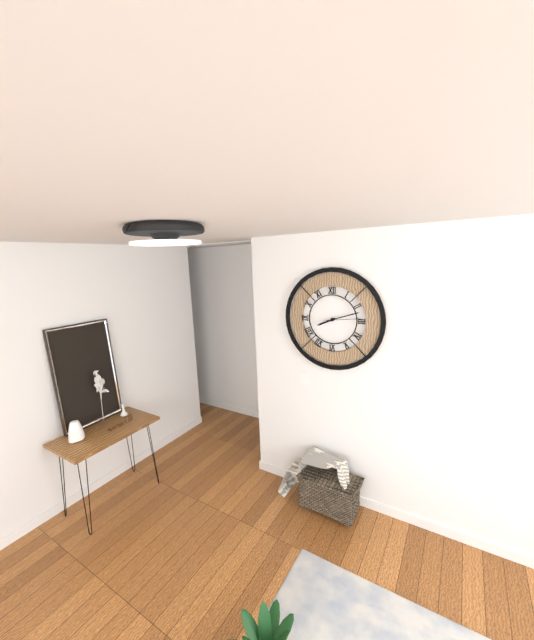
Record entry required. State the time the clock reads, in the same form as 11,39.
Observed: 8,12
